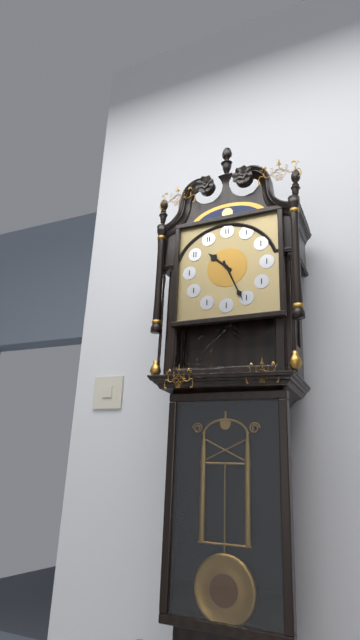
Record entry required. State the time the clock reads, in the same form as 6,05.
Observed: 10,26
